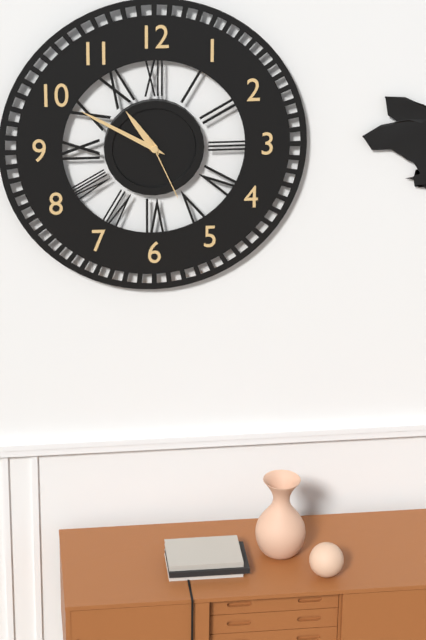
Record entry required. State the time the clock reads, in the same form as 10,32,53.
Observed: 10,50,26
